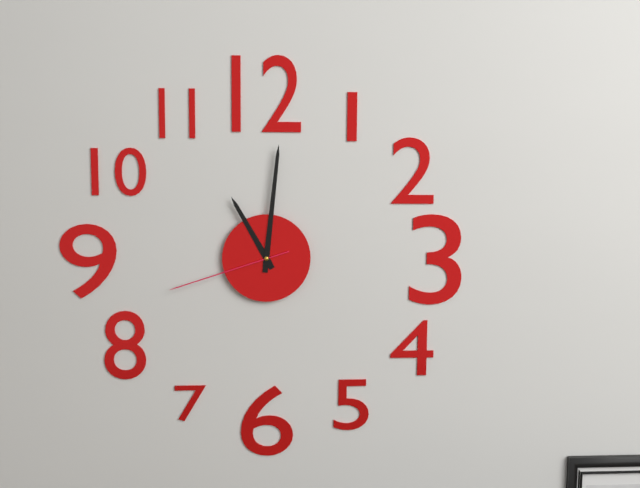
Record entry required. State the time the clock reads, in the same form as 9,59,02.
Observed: 11,01,42
